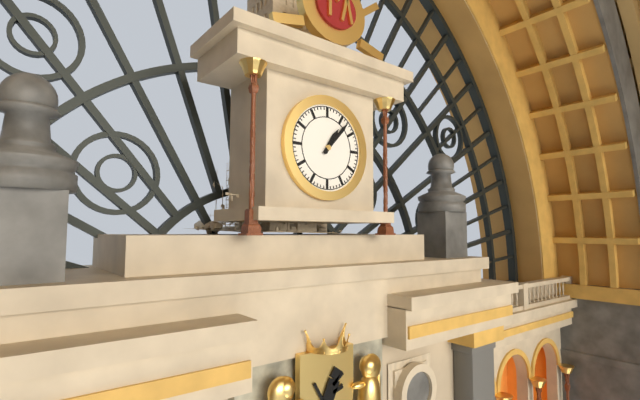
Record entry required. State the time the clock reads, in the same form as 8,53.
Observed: 1,07
